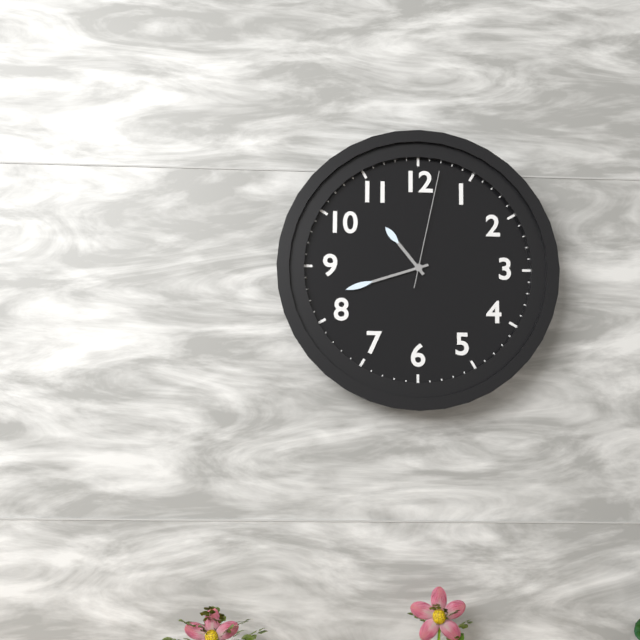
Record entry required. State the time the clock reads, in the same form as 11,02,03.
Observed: 10,42,02
